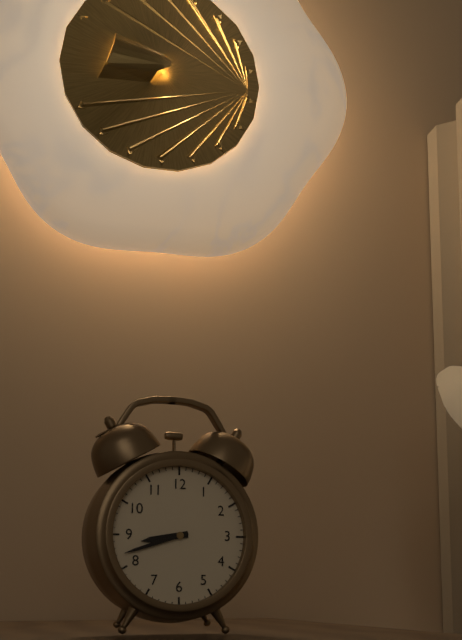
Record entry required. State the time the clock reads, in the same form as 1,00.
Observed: 8,42
